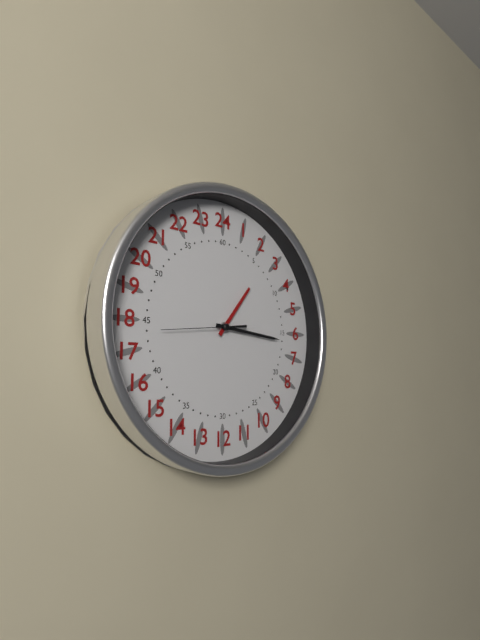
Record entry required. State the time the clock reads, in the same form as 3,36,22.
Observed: 1,16,44
